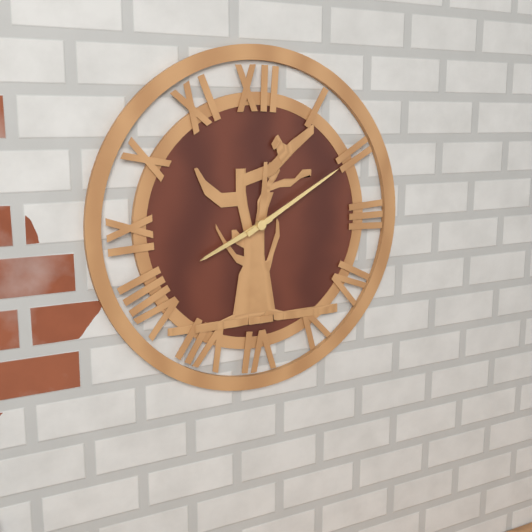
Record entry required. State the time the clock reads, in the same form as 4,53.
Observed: 8,10
